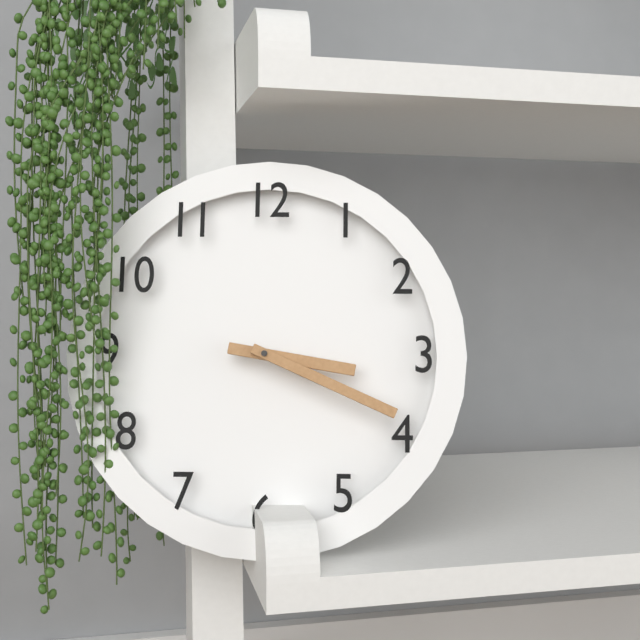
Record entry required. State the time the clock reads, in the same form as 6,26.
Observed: 3,19
